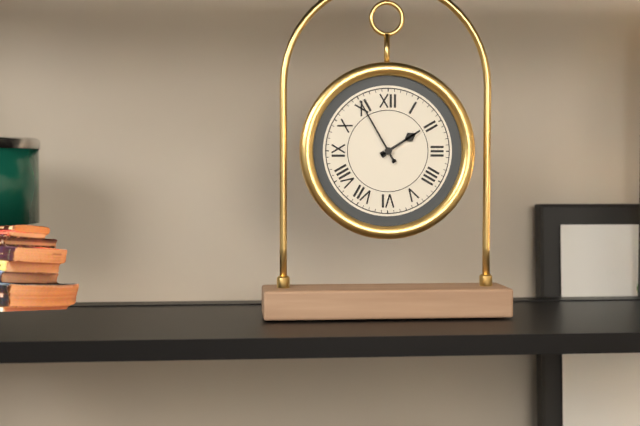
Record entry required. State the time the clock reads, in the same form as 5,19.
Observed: 1,55
